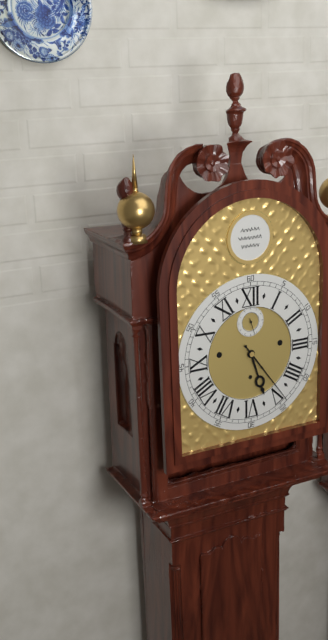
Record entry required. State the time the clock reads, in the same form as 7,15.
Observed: 5,24
